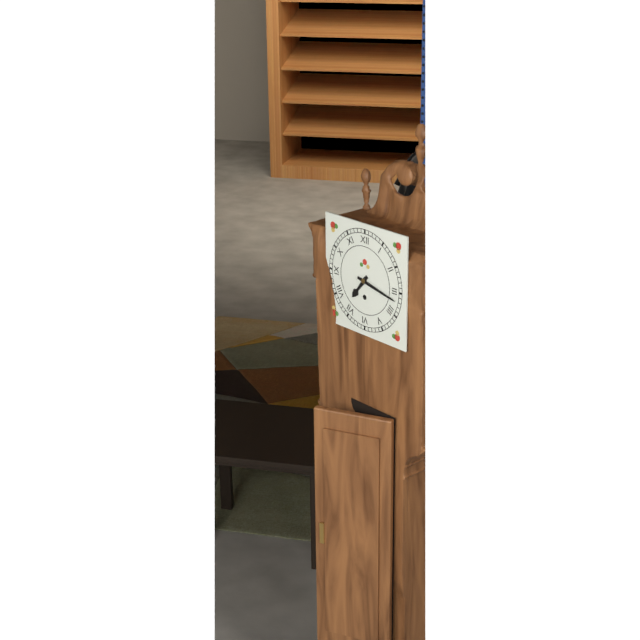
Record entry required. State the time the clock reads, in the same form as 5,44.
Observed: 7,17
